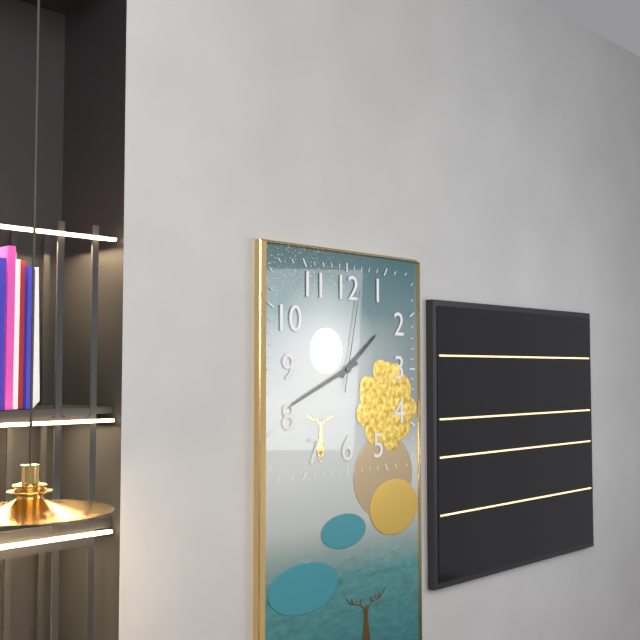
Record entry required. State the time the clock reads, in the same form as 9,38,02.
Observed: 1,41,02
